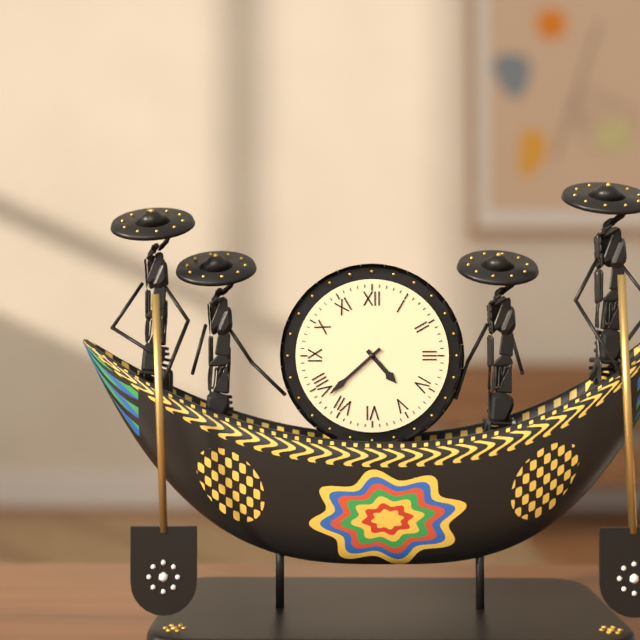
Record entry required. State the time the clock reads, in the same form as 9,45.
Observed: 4,38
